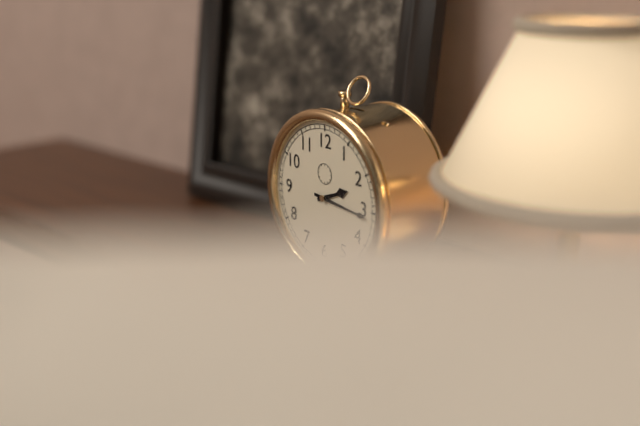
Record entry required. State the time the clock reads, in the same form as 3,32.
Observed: 2,16
